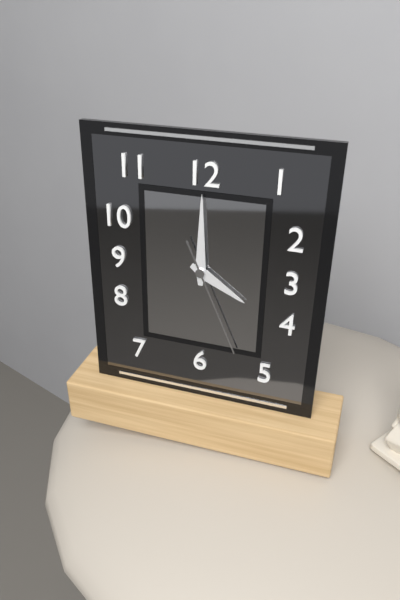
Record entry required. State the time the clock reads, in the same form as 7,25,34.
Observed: 4,00,26
